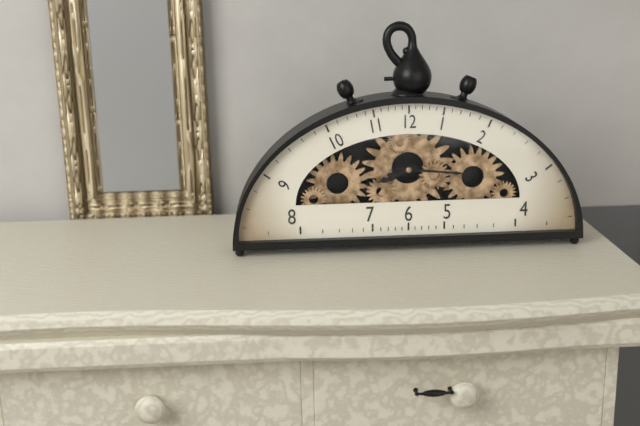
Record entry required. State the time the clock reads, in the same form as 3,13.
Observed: 8,16
